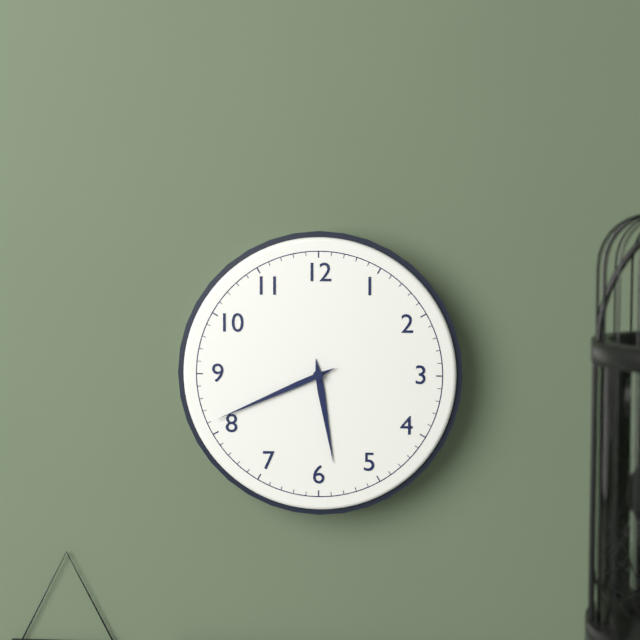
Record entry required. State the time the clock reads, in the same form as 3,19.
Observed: 5,41
